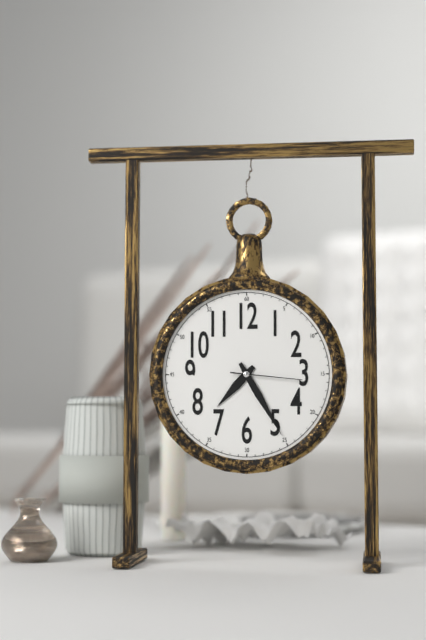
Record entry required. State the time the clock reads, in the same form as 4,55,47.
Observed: 7,25,16
